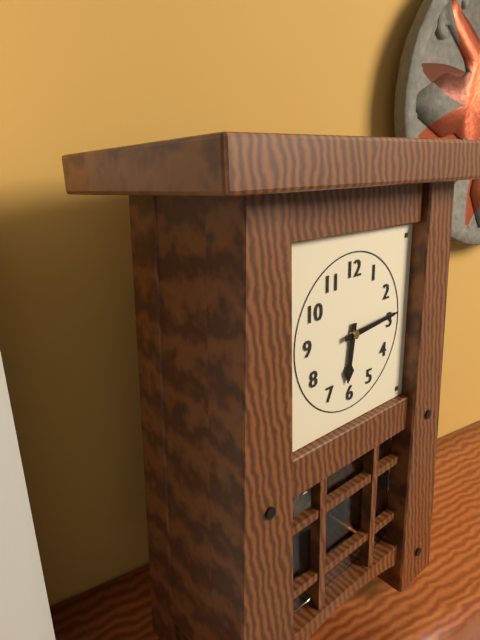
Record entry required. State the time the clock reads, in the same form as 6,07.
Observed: 6,14
